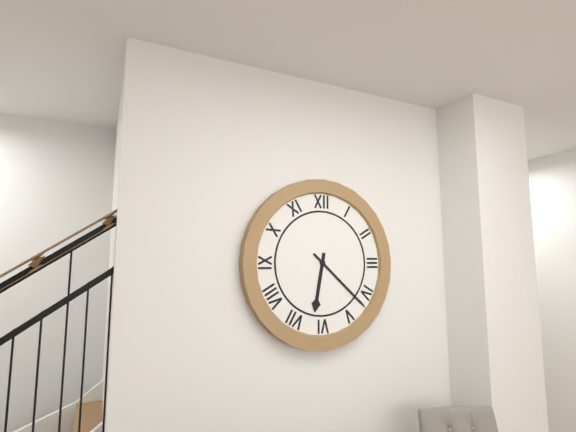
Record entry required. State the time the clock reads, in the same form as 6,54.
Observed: 6,22
